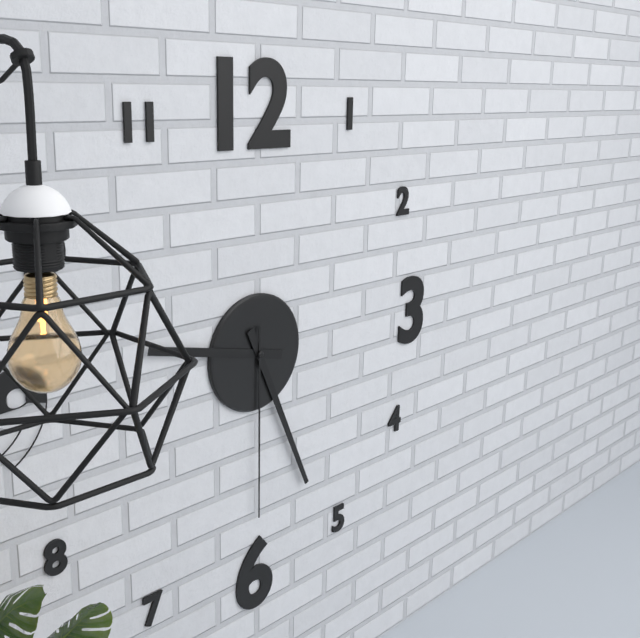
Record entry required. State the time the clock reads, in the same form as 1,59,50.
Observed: 9,26,30
